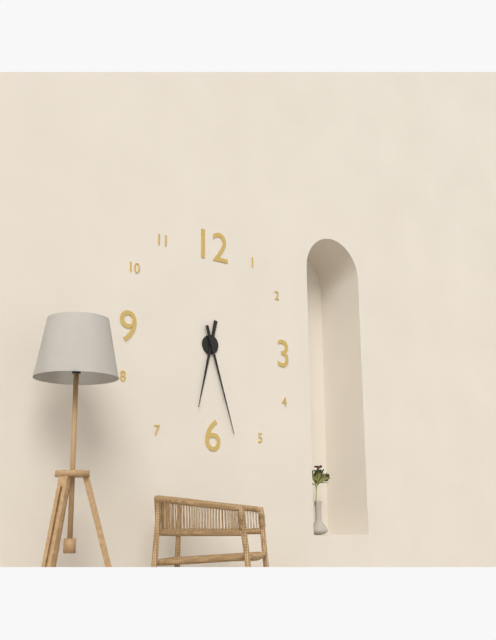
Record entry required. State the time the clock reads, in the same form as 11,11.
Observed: 6,27
